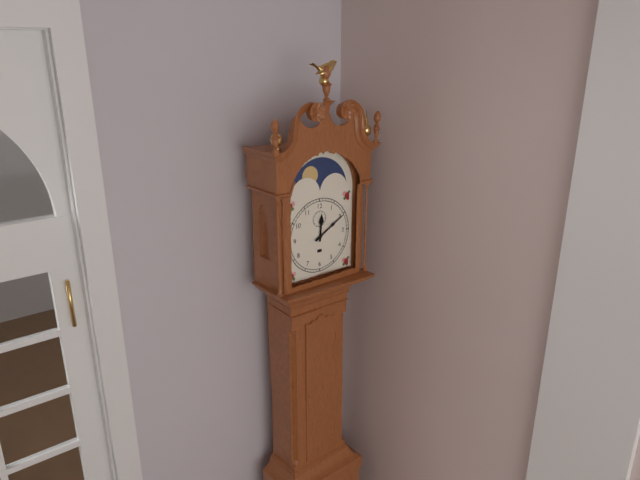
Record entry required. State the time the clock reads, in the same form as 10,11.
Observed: 12,10
